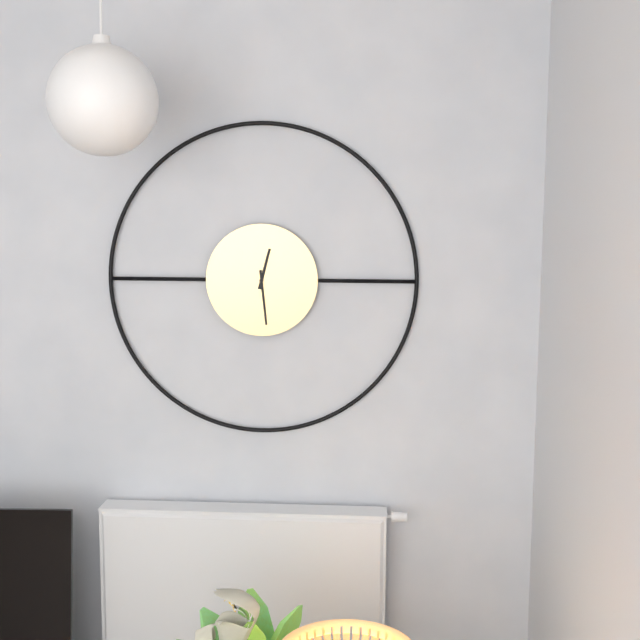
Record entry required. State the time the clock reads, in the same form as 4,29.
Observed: 12,29
